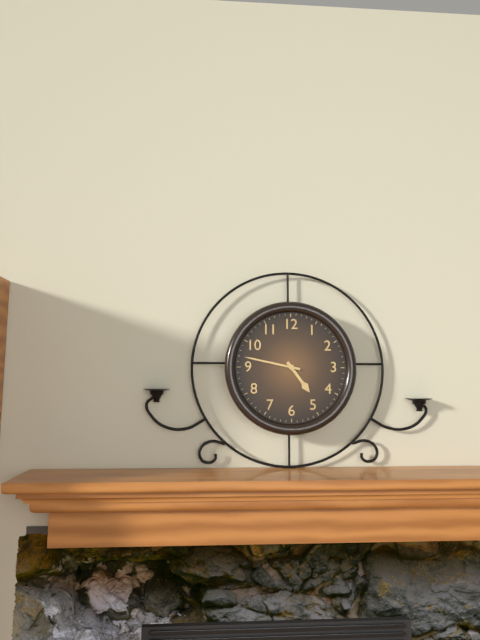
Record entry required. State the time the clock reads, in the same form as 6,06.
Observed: 4,47
